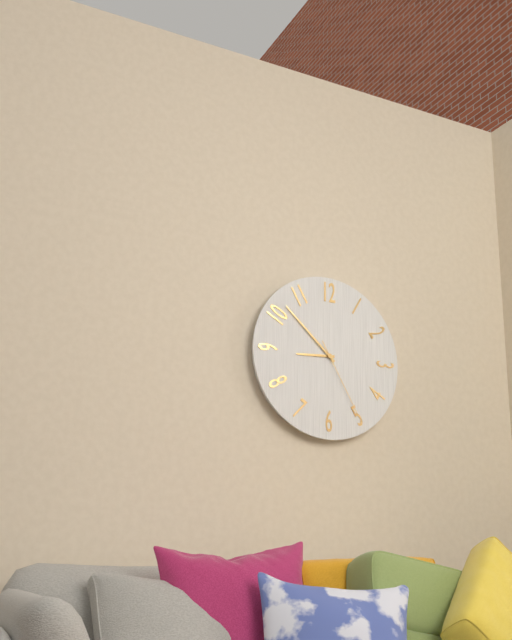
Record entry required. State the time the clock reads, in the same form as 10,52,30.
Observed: 8,52,25
